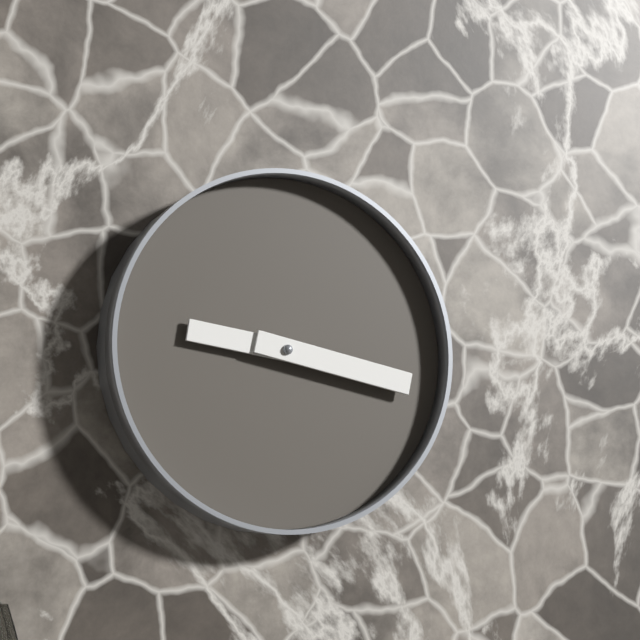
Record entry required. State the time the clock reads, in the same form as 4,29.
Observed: 9,17
